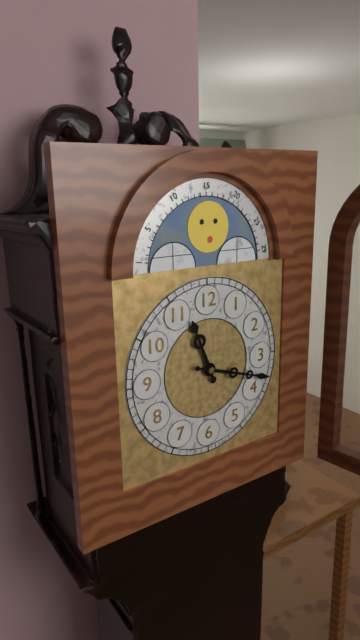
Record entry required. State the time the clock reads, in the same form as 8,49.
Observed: 11,18
